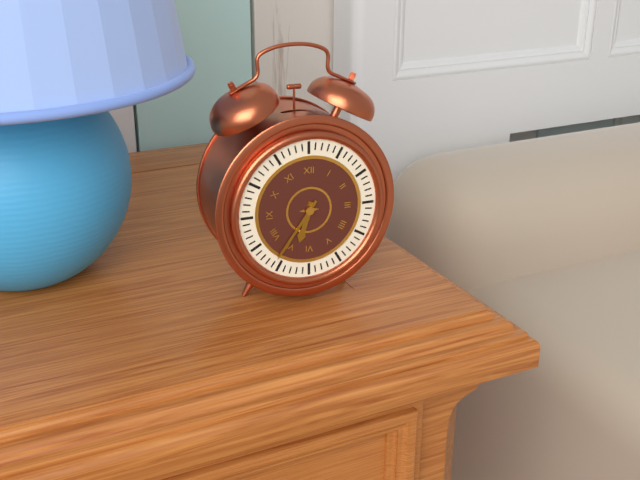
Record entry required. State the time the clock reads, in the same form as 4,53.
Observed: 6,36
